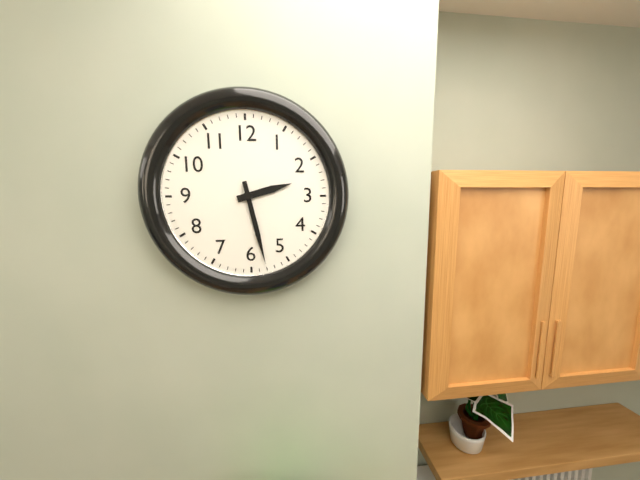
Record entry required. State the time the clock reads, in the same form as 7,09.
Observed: 2,28
